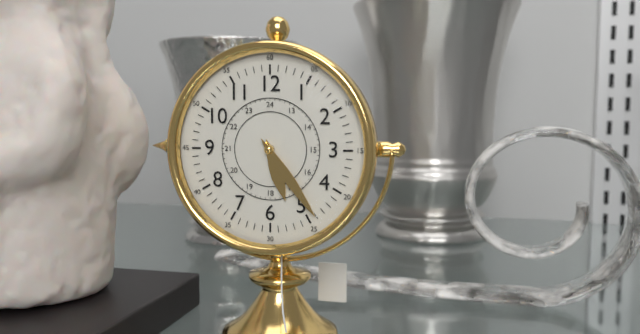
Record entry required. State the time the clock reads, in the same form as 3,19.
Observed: 5,24
